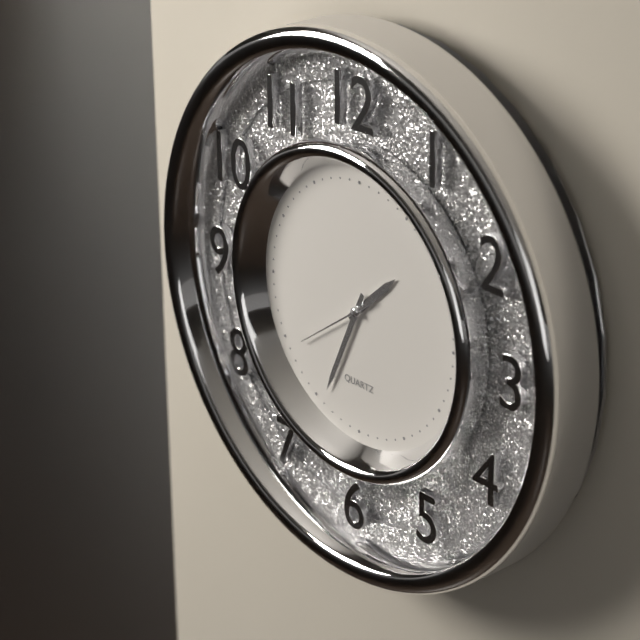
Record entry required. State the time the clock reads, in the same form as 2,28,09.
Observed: 1,34,39
